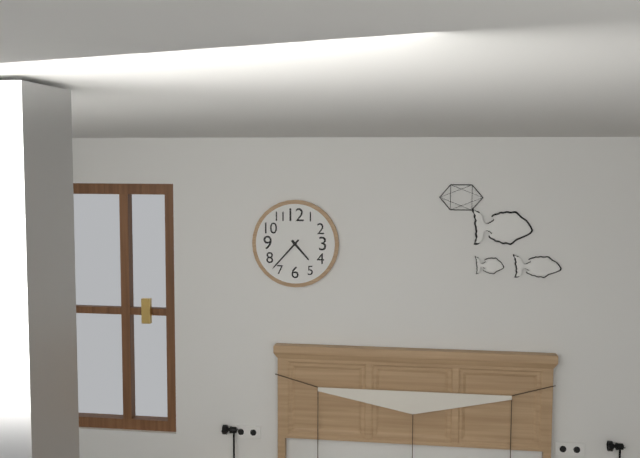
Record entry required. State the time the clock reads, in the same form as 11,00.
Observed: 4,37
